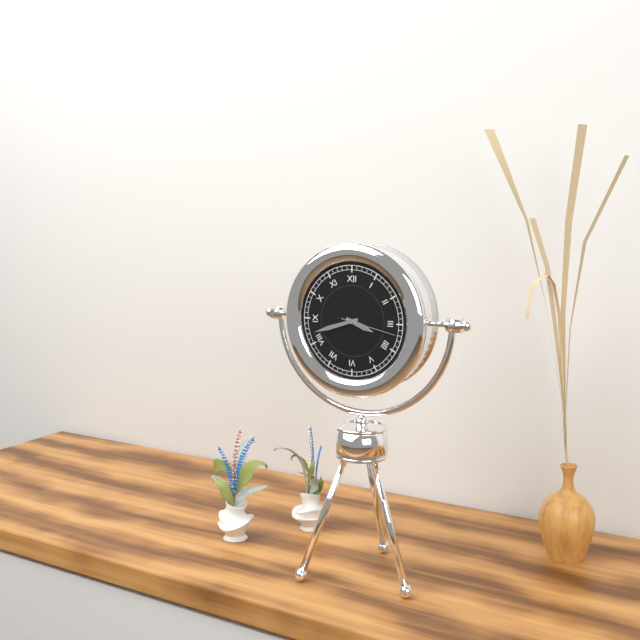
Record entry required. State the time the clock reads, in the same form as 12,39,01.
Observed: 3,42,17
